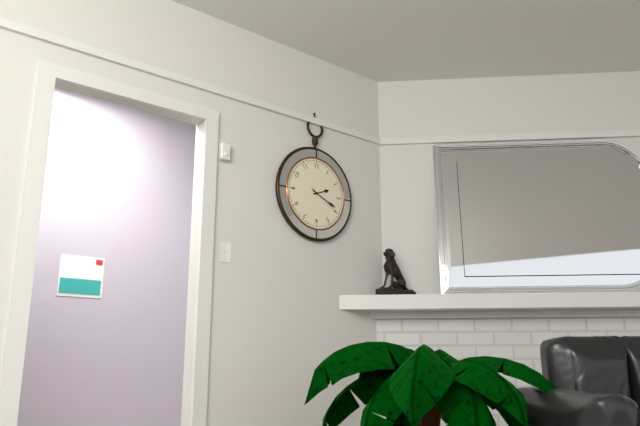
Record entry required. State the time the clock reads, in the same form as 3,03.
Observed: 2,19
